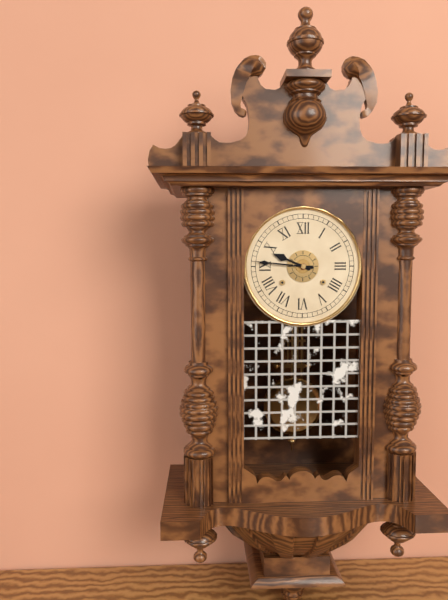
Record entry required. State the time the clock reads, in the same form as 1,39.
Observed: 9,46
